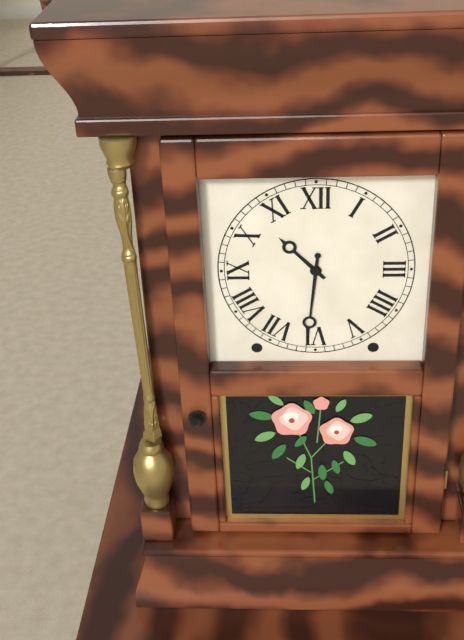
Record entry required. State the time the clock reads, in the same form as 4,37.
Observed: 10,31
